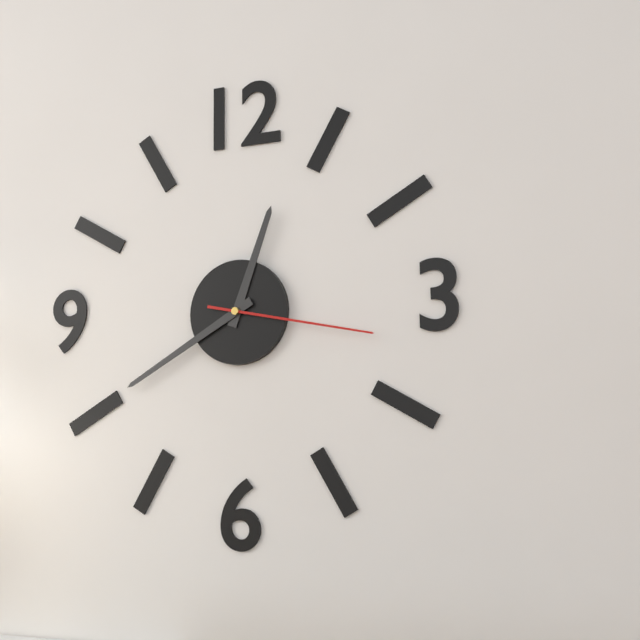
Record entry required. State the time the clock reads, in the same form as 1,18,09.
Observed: 12,40,17
